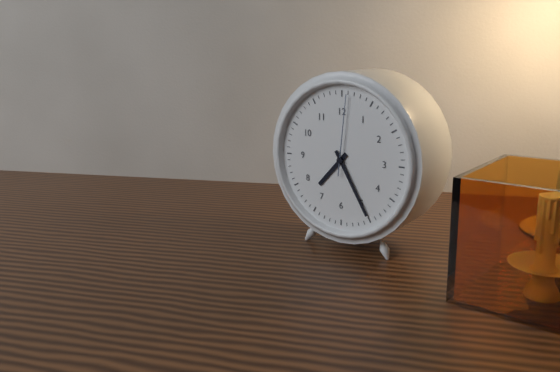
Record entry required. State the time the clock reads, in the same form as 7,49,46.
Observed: 7,25,01
